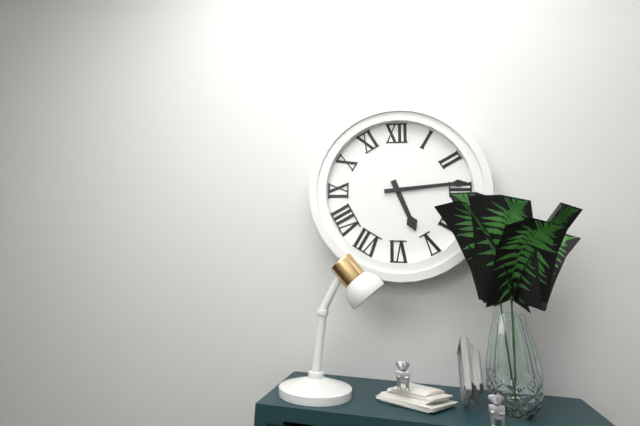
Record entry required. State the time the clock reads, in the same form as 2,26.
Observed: 5,14
